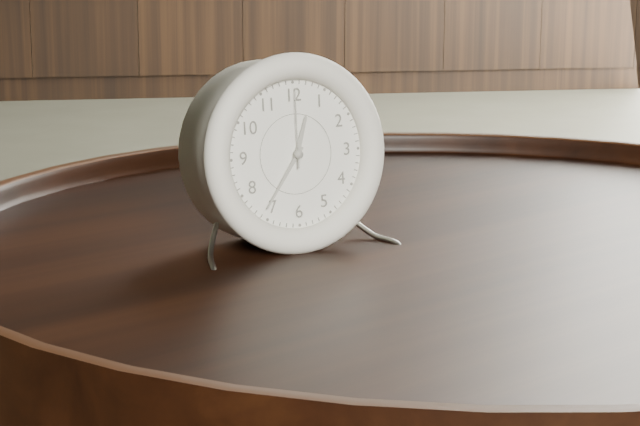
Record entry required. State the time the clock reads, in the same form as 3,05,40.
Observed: 12,36,00
